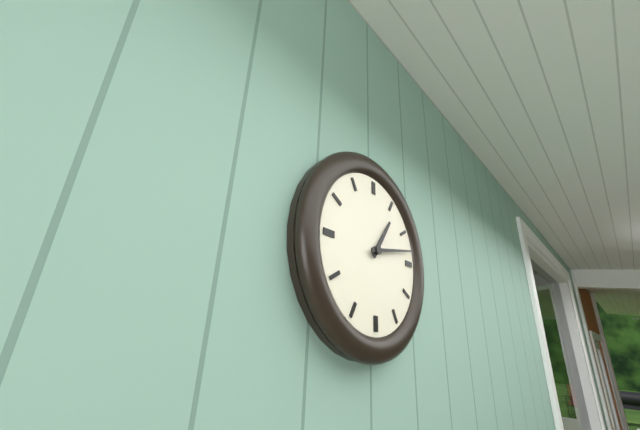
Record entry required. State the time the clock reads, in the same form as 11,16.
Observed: 1,13
